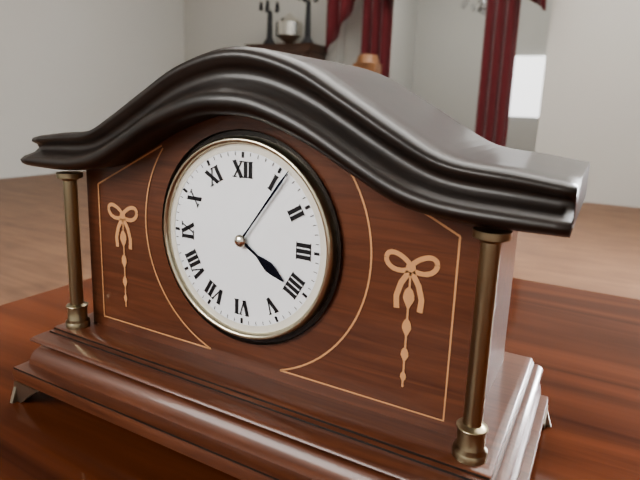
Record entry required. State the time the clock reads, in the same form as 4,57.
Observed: 4,06
